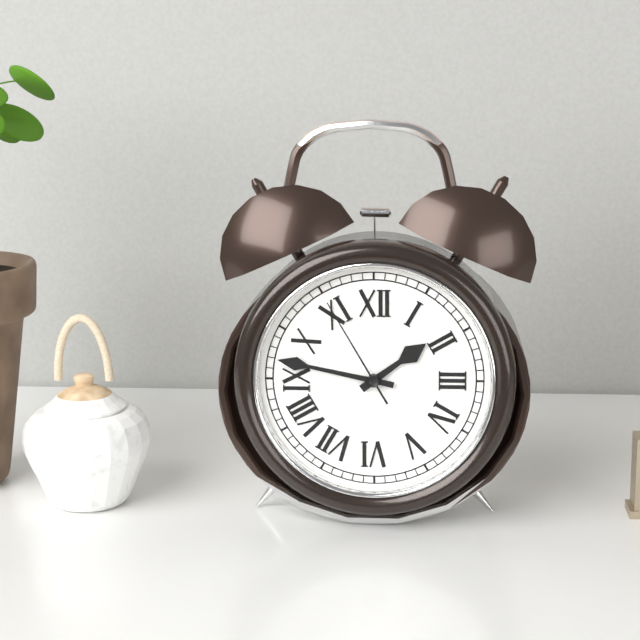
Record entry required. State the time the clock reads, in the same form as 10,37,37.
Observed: 1,47,55
